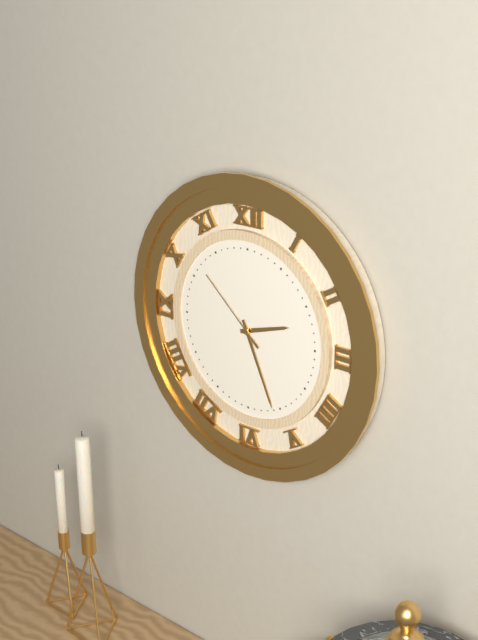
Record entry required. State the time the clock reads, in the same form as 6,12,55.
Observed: 2,26,52
